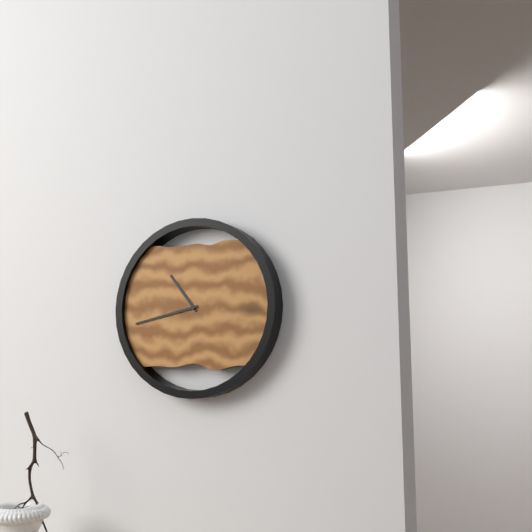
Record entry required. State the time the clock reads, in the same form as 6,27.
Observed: 10,43
